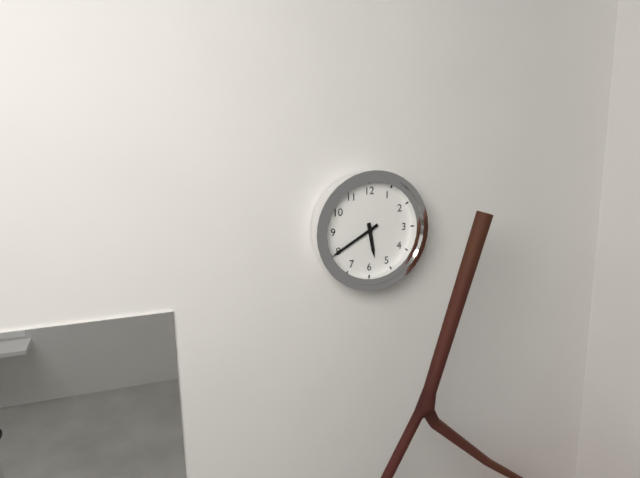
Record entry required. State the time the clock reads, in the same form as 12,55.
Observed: 5,40
